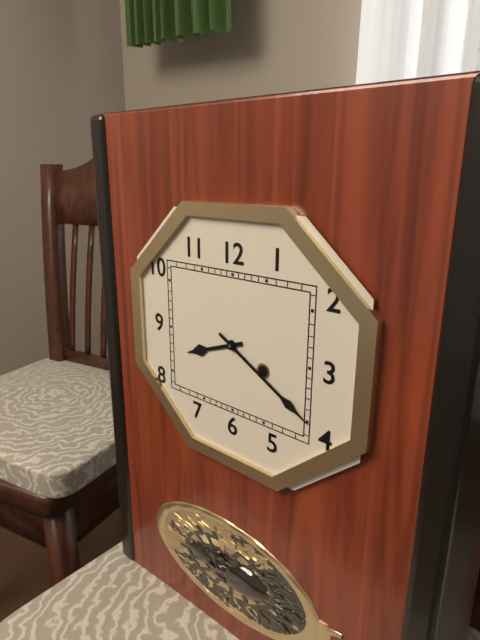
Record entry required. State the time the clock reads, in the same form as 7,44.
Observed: 8,20
